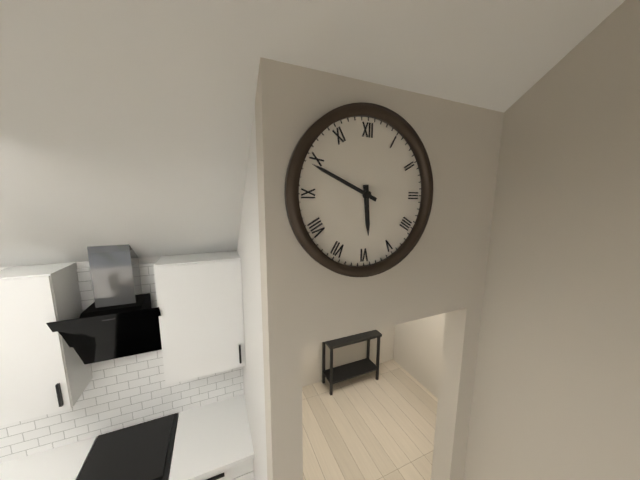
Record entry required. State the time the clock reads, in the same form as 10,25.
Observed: 5,49
